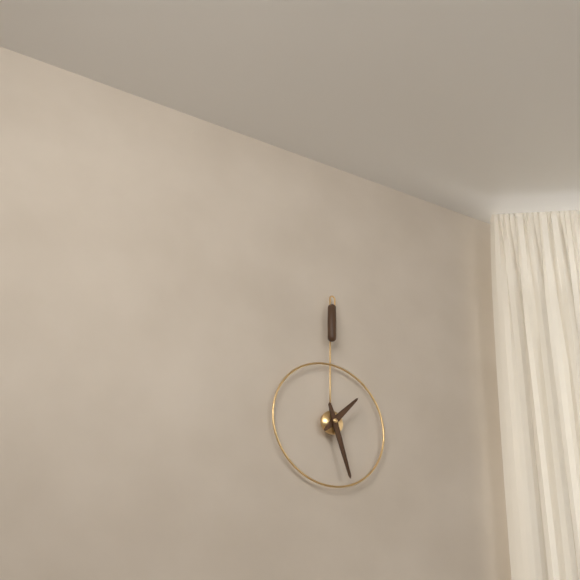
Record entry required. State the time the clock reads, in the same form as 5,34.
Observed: 1,27
